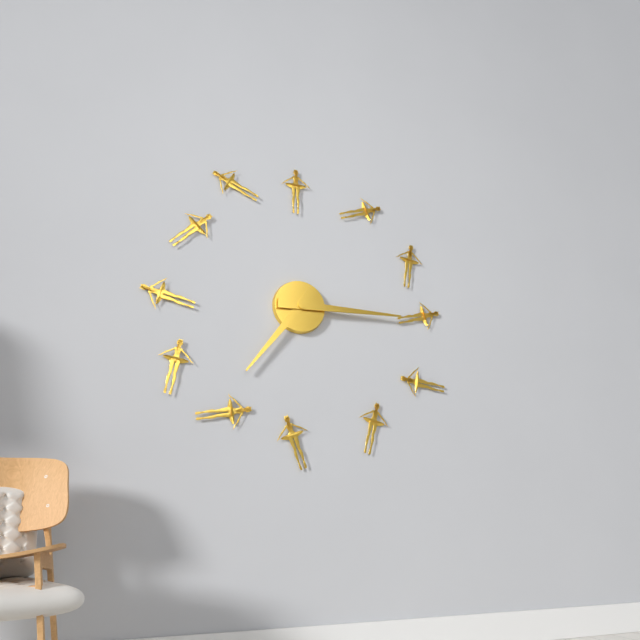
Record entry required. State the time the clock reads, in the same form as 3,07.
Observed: 7,15
